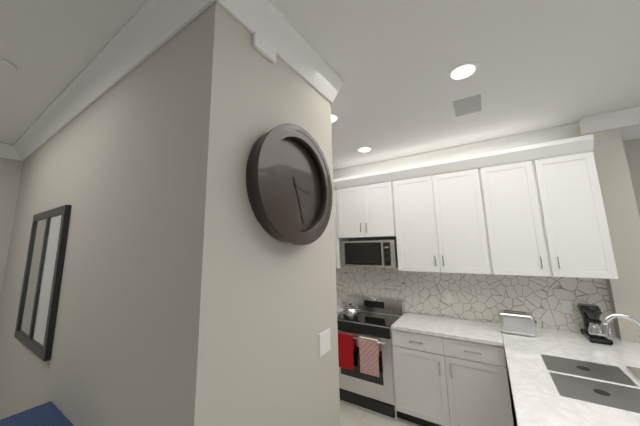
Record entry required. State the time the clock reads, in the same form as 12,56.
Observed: 3,27
